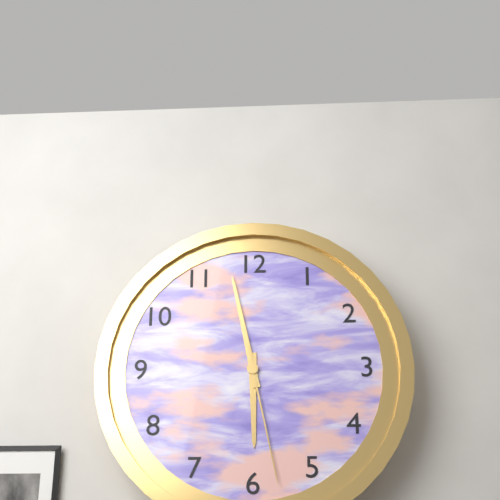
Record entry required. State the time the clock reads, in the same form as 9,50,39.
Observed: 5,58,28
